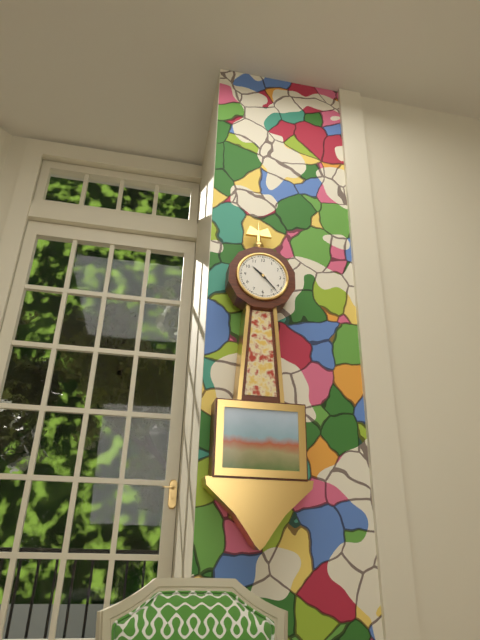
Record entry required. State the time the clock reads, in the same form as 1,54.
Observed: 10,23
